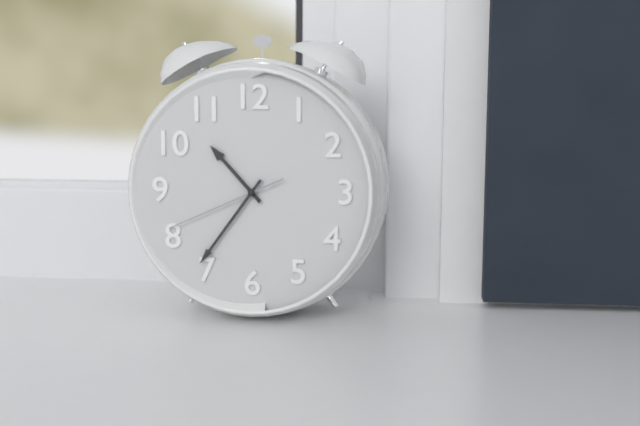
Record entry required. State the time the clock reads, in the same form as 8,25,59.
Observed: 10,36,41
